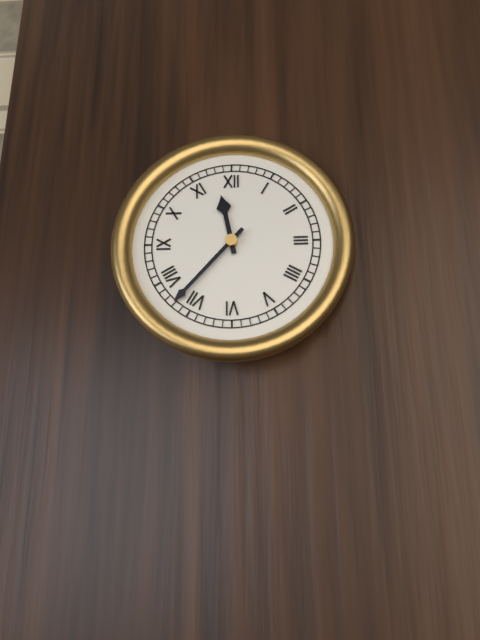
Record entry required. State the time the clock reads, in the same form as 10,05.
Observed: 11,37
